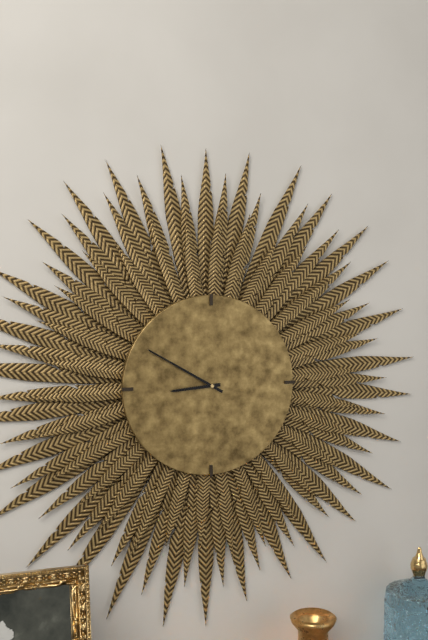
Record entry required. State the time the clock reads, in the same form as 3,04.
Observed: 8,50
